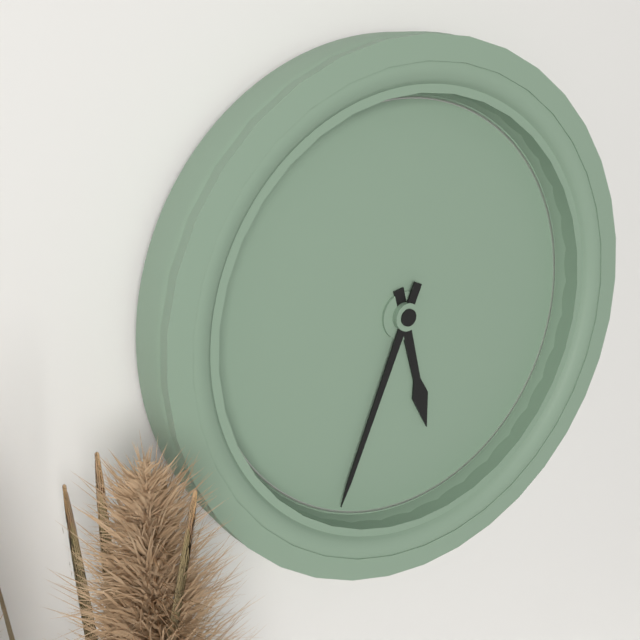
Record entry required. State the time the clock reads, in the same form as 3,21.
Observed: 5,34
